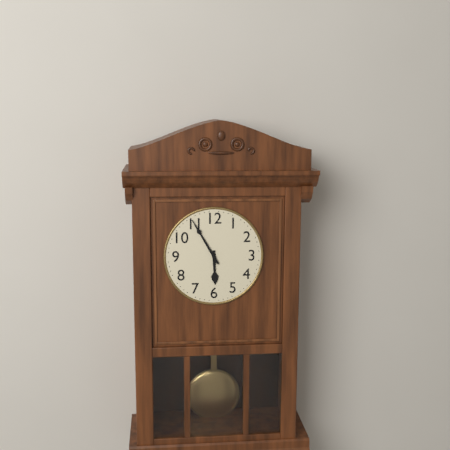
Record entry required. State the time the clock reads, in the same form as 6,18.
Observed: 5,55
